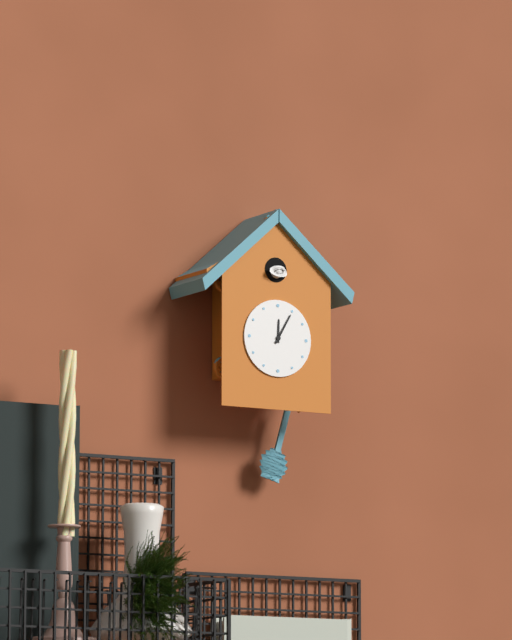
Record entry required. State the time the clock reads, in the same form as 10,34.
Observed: 12,05
